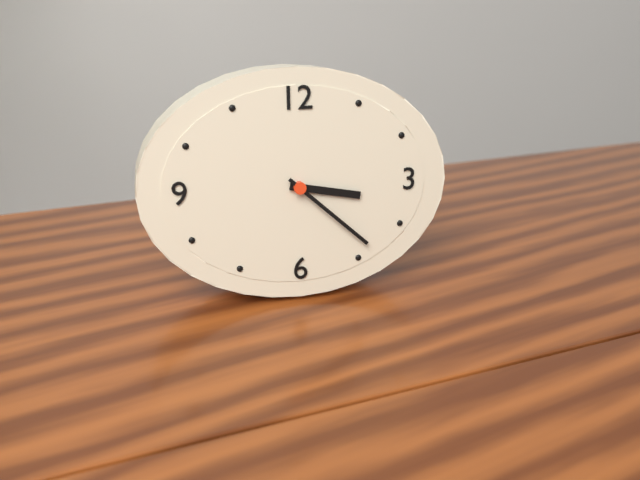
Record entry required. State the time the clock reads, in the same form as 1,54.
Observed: 3,22
